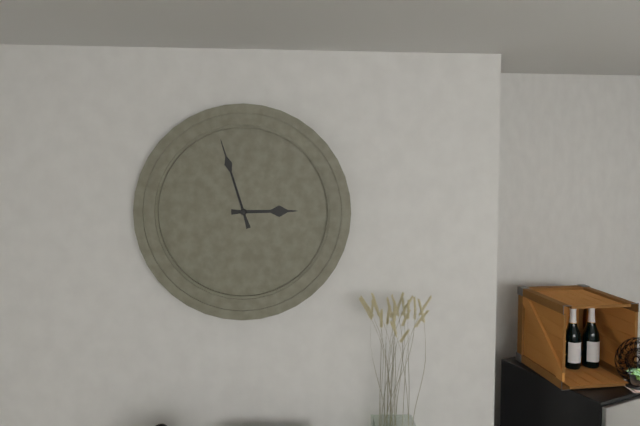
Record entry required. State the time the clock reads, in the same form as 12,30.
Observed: 2,57
